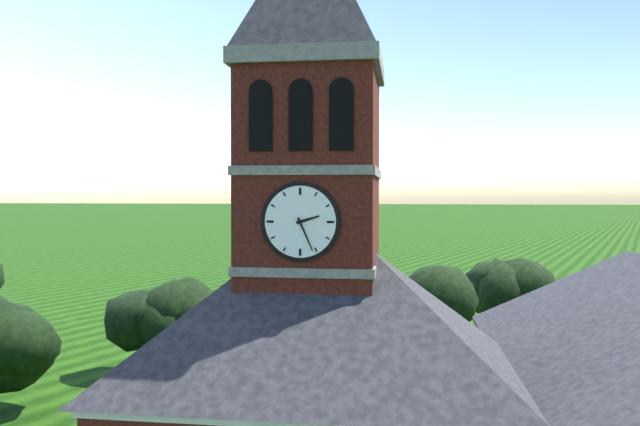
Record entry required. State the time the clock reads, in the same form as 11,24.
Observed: 2,26
